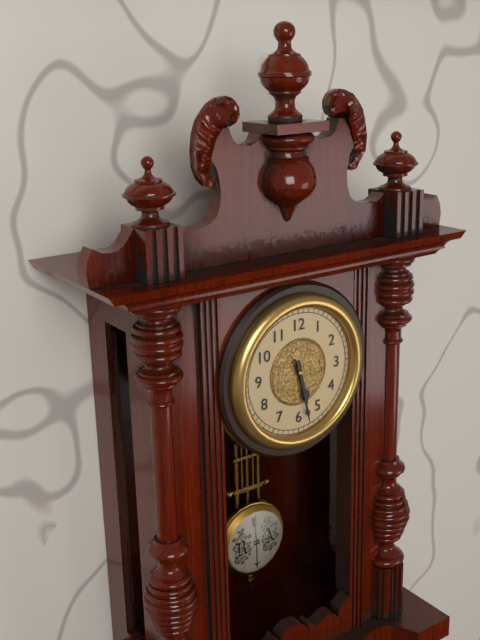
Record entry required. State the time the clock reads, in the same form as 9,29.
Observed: 5,28
